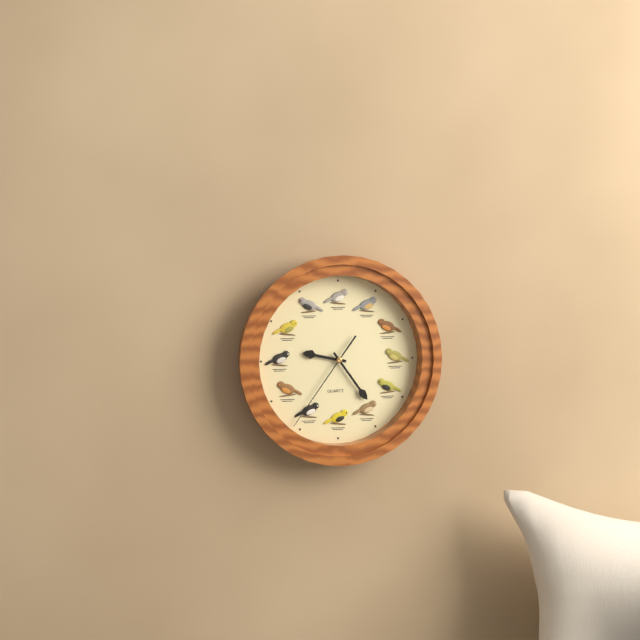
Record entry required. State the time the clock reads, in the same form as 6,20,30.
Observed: 9,24,36
